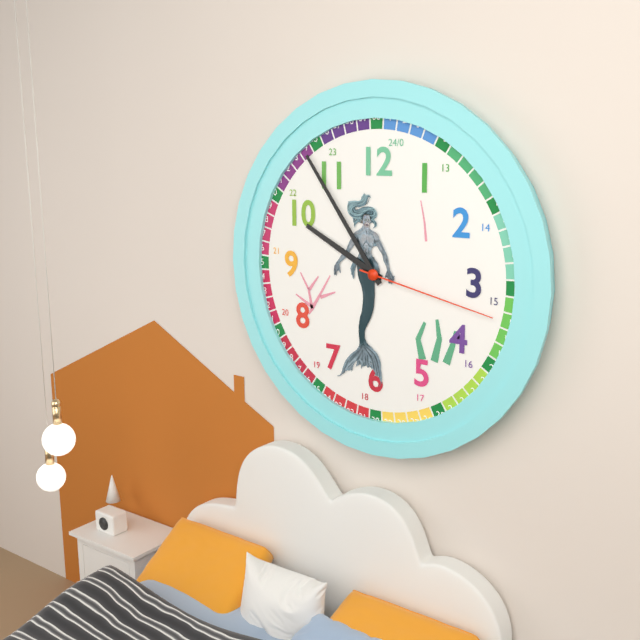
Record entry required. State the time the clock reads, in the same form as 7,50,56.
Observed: 9,54,17
